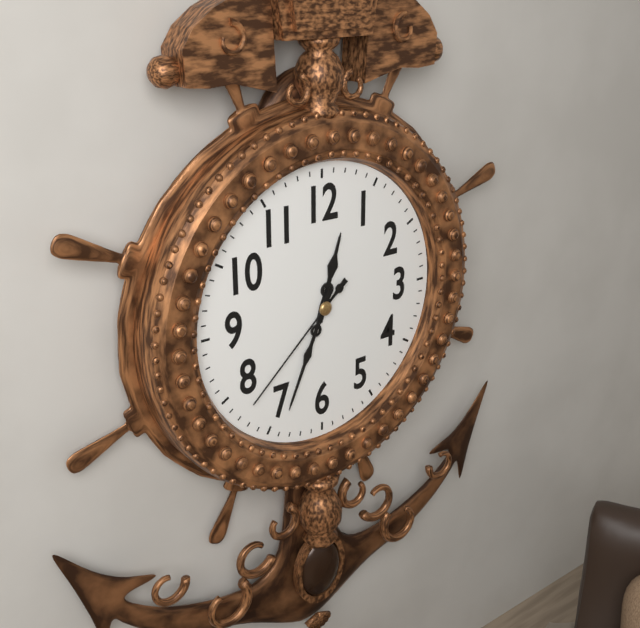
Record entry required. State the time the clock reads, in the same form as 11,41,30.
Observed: 12,34,38
